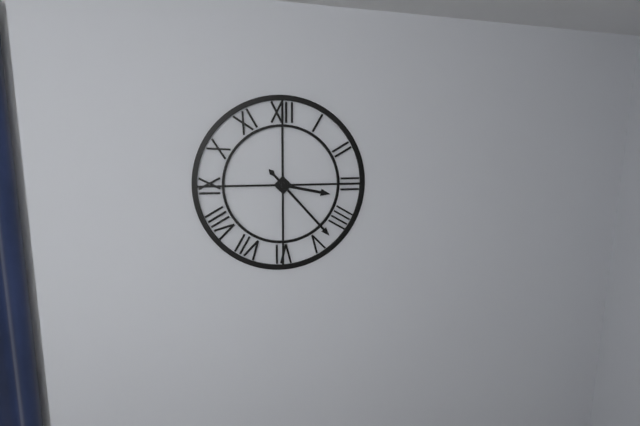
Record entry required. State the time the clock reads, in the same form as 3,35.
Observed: 3,23
